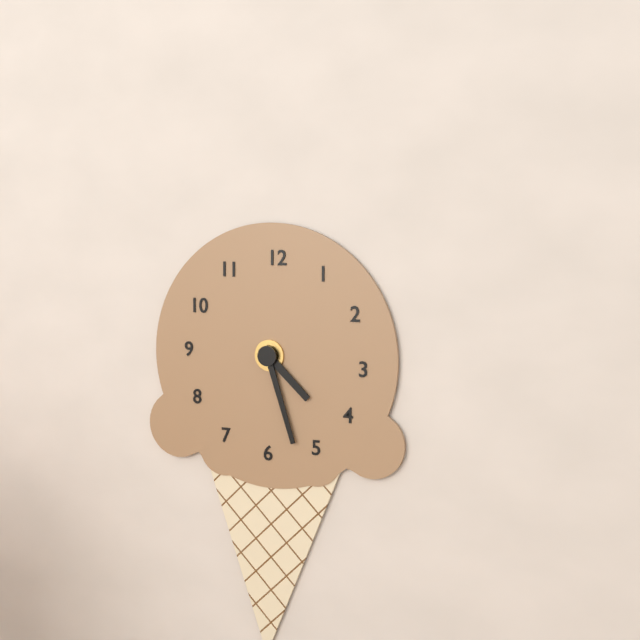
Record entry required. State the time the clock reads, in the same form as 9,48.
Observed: 4,27
